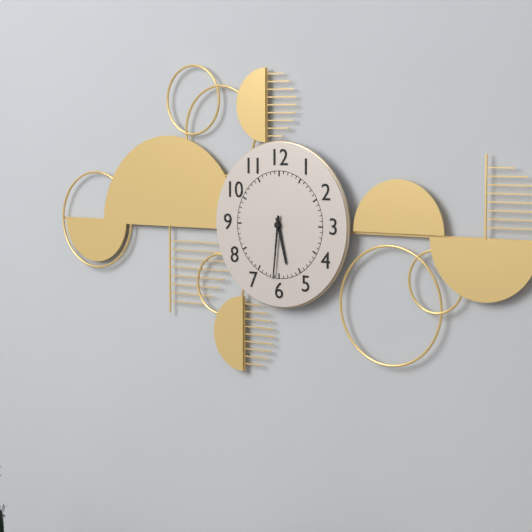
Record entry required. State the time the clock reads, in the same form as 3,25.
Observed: 5,31
